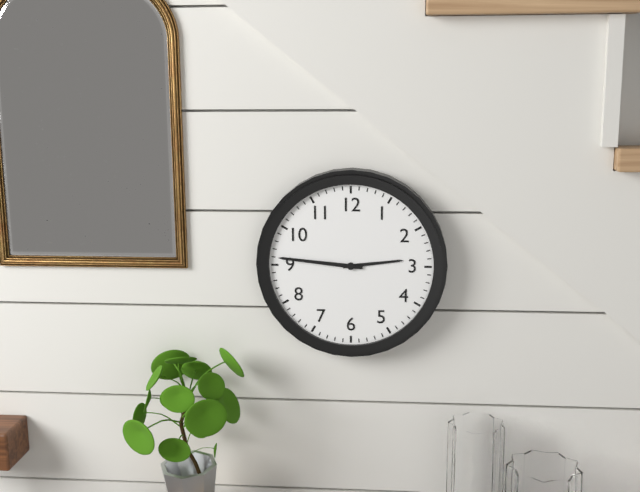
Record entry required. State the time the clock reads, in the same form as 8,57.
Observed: 2,46
